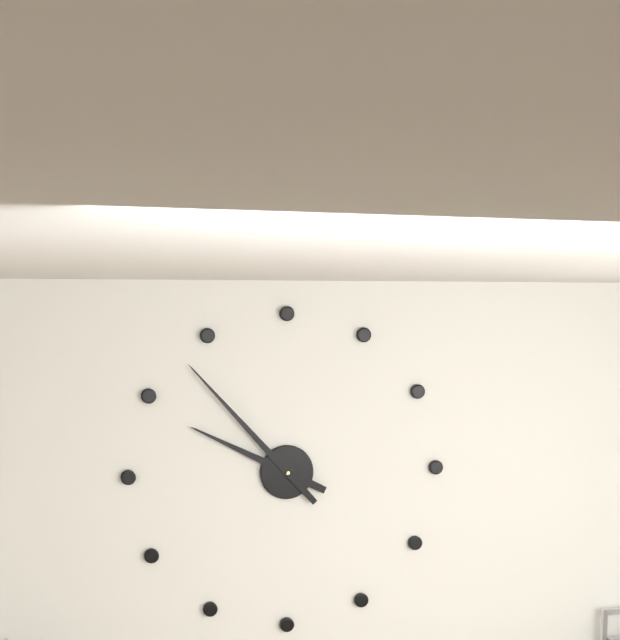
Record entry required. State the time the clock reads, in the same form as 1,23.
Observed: 9,53
